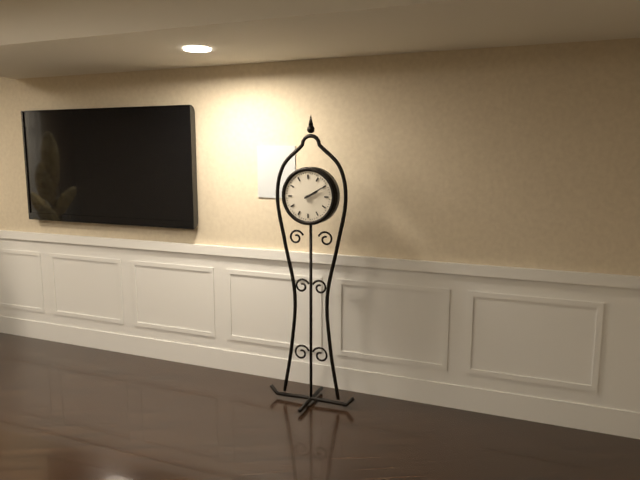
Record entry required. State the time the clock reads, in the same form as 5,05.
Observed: 2,10
